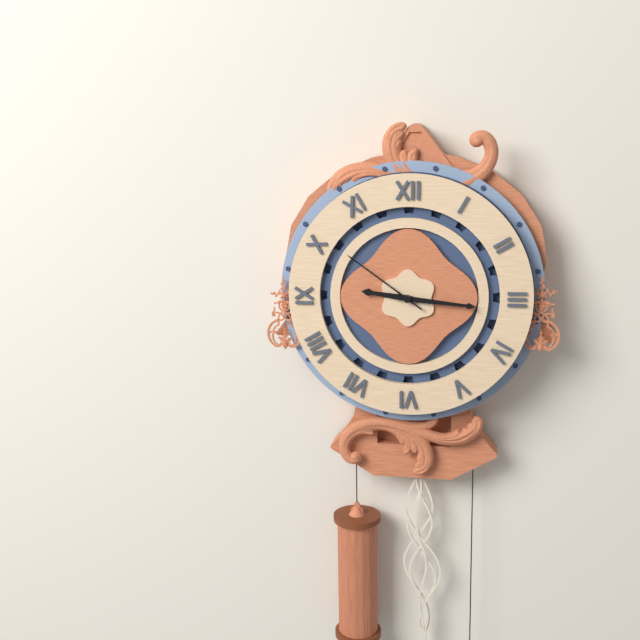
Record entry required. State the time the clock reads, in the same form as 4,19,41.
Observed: 9,16,51
